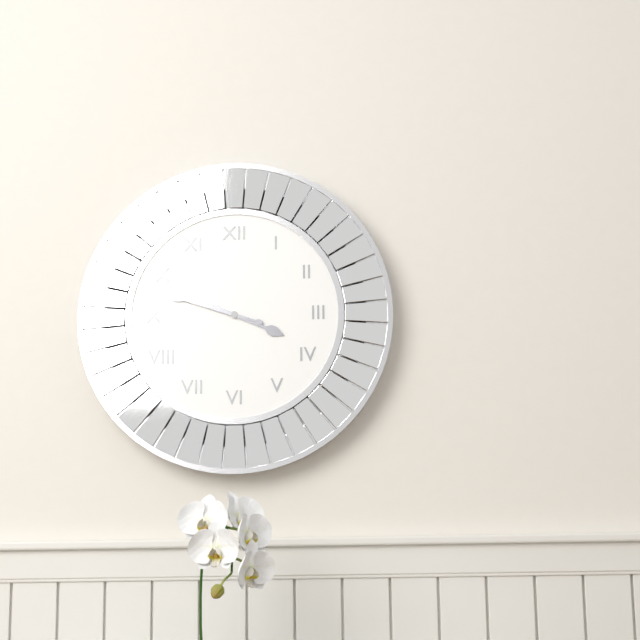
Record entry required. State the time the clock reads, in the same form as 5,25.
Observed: 3,48
